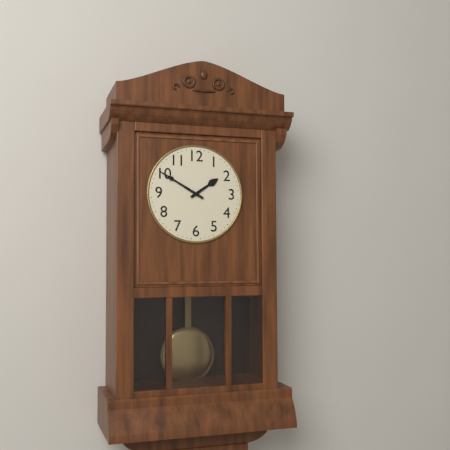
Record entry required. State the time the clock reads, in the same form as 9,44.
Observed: 1,50
